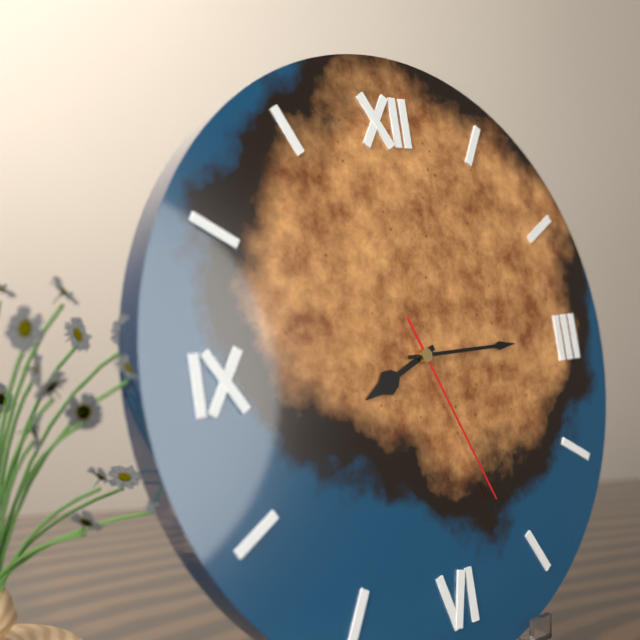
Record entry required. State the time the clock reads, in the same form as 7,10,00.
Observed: 8,15,26
